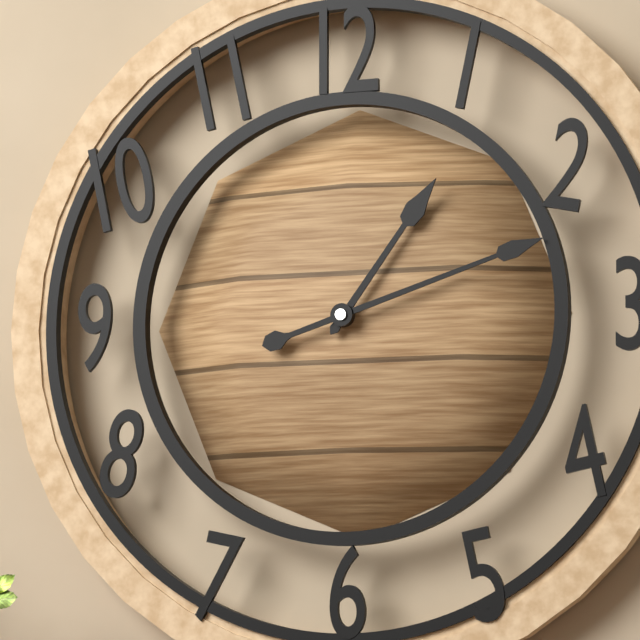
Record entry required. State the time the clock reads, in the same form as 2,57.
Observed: 1,12
